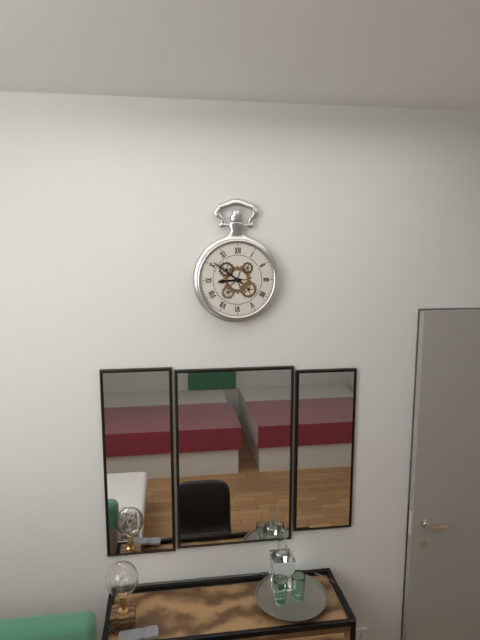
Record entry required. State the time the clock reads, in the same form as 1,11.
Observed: 8,51
